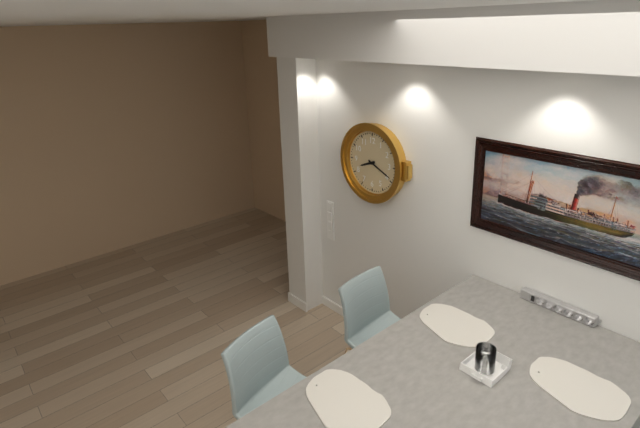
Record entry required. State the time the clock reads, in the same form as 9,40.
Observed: 8,19
